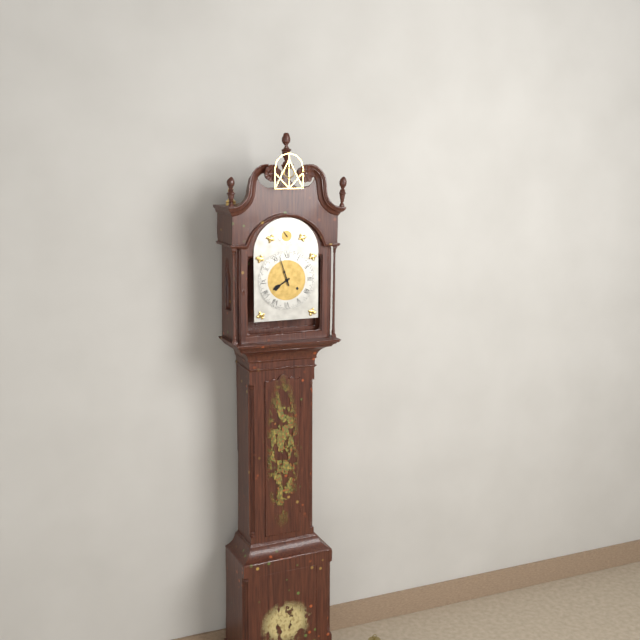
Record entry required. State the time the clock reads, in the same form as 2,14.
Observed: 7,57
